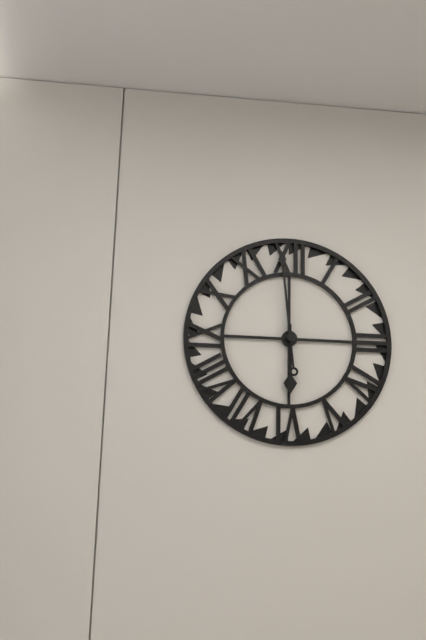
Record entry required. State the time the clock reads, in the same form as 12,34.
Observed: 5,59
